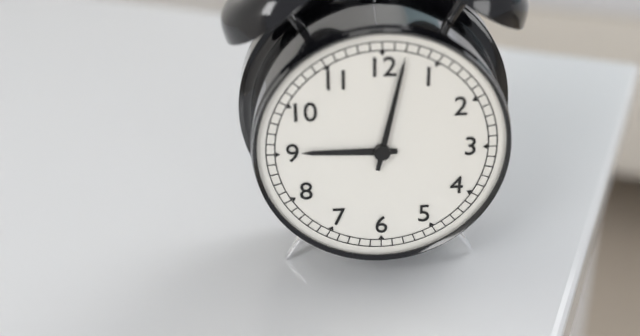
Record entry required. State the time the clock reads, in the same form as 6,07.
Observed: 9,02
